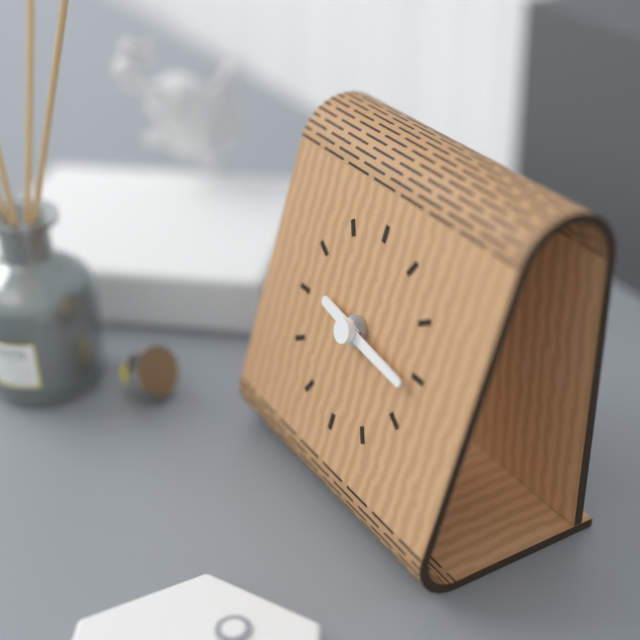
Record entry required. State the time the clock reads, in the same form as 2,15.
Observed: 9,16
